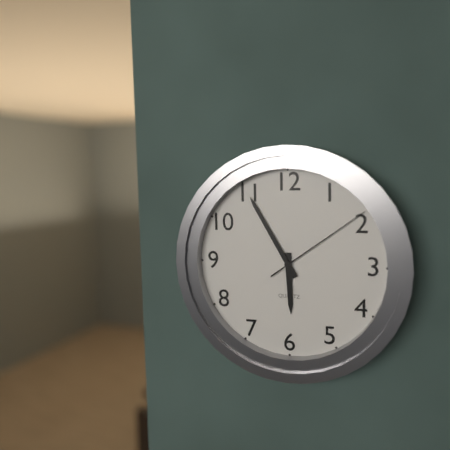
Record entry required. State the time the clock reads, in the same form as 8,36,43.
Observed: 5,55,09
